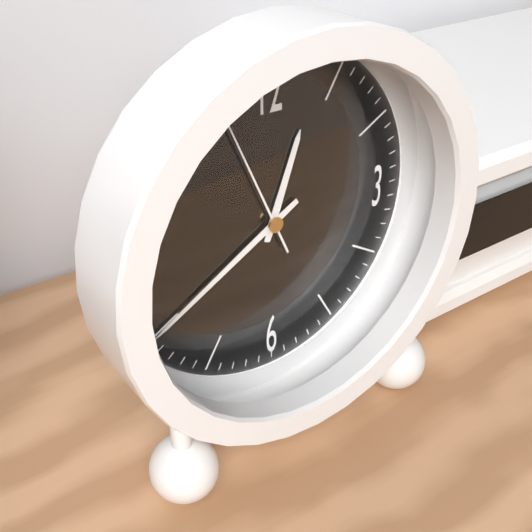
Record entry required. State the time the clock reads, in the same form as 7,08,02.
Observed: 12,40,56
